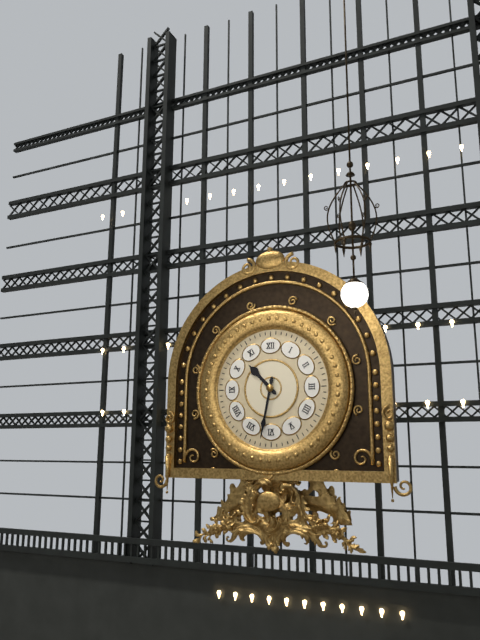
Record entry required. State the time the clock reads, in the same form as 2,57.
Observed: 10,32
